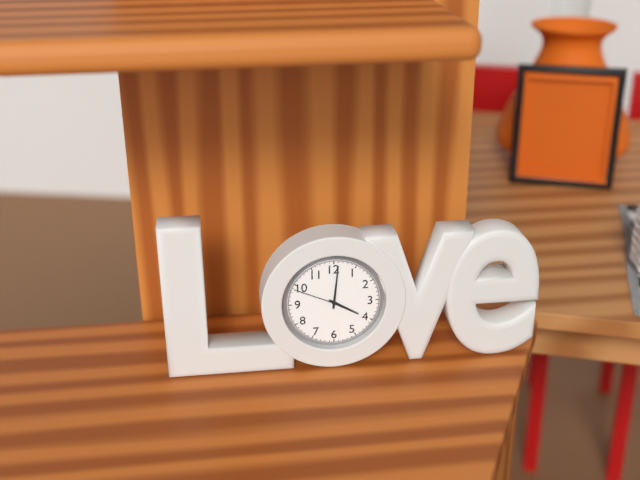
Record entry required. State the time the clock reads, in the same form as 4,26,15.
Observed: 4,01,49
